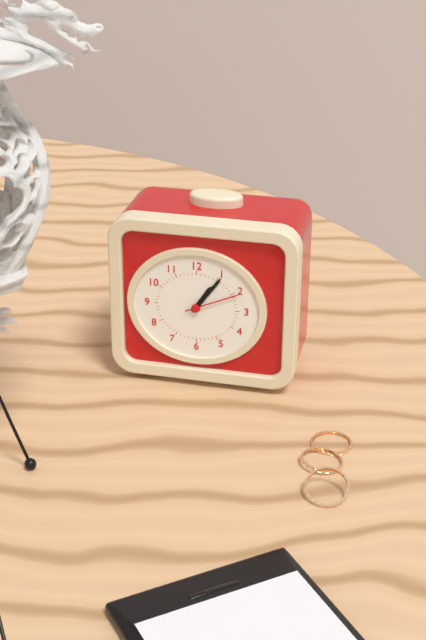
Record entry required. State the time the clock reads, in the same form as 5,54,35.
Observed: 1,06,11
